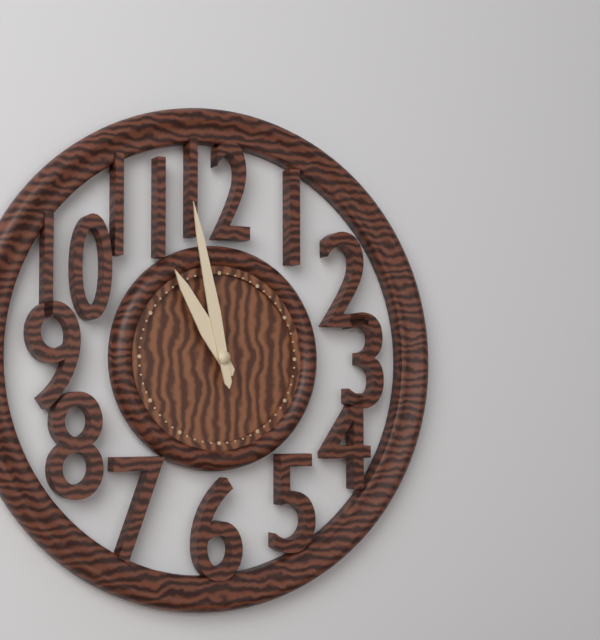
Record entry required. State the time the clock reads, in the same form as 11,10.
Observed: 10,58
